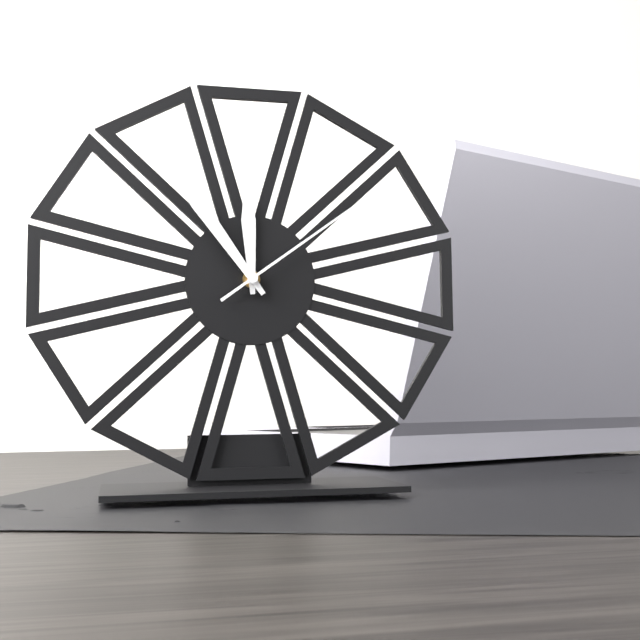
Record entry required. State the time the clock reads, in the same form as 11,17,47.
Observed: 11,54,09
